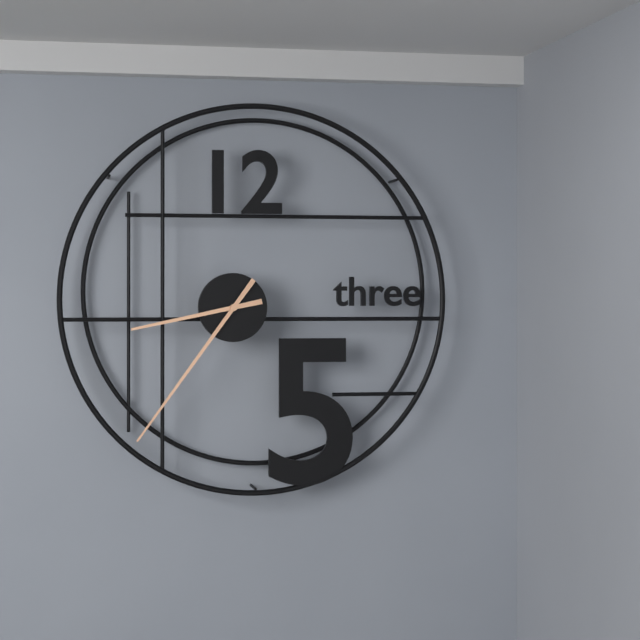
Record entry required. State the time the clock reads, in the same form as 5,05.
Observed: 8,36
